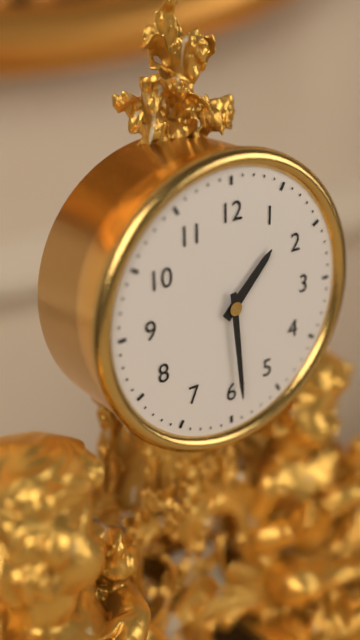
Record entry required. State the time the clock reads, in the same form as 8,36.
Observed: 1,29
